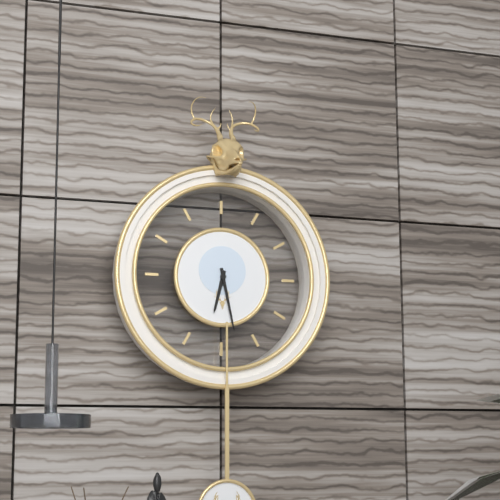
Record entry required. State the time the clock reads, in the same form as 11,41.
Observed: 6,28
